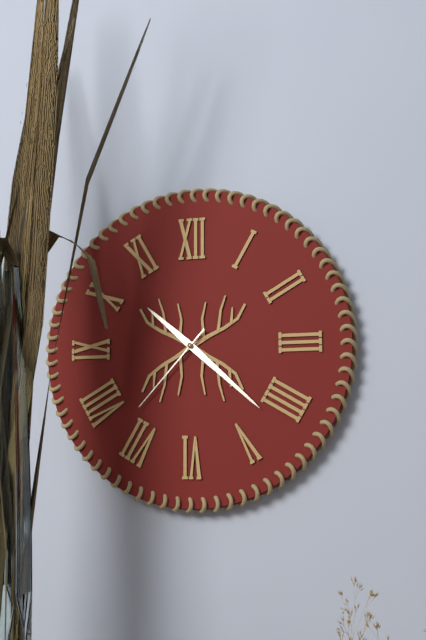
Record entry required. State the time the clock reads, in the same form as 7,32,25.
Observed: 10,22,37
